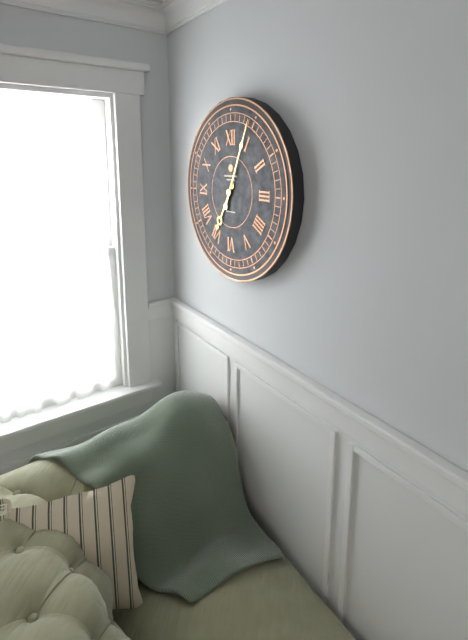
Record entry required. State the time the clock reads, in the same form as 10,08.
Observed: 7,04
